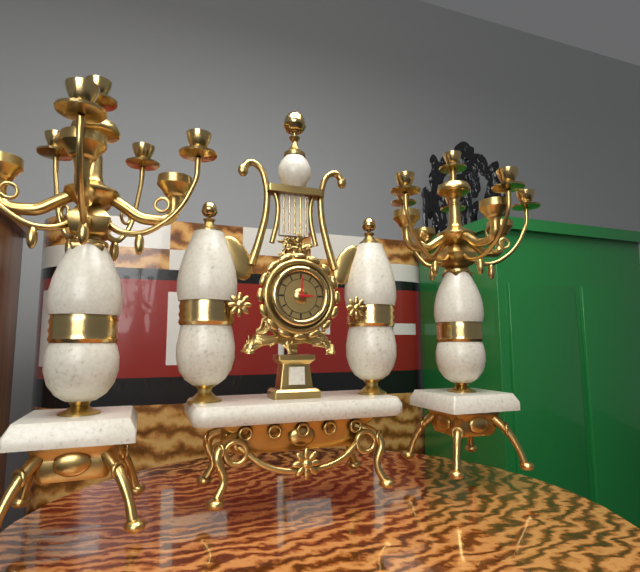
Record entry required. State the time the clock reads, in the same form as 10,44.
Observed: 3,00
